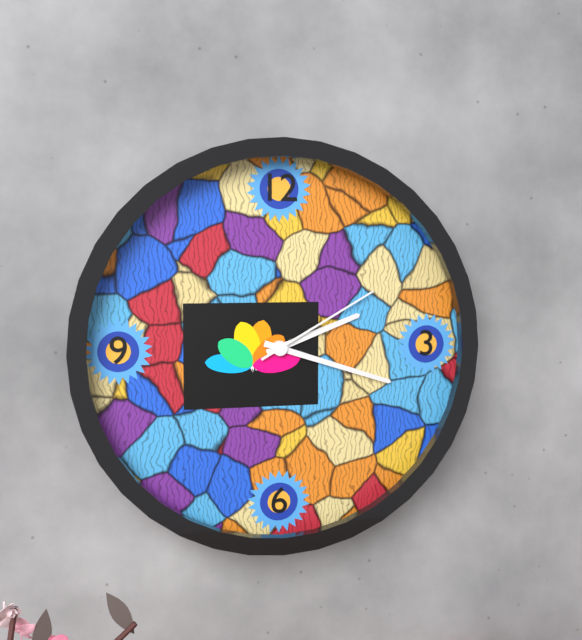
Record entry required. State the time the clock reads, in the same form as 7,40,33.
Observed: 2,18,10
